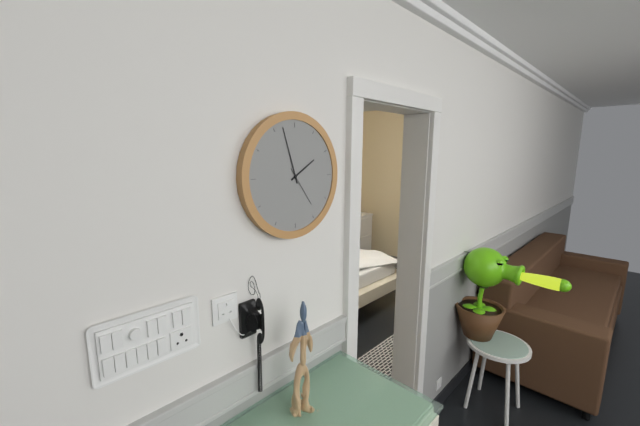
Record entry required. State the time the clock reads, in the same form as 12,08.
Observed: 1,57
